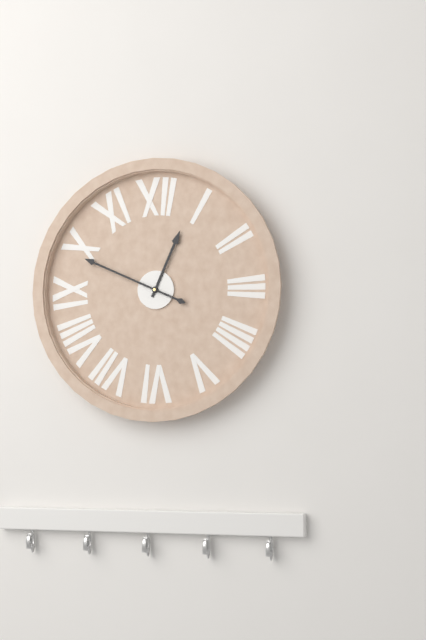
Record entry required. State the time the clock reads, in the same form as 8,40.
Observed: 12,49
